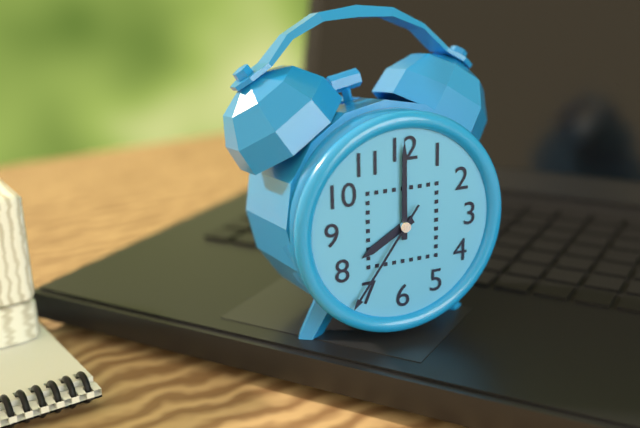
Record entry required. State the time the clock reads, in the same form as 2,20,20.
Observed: 8,00,36
